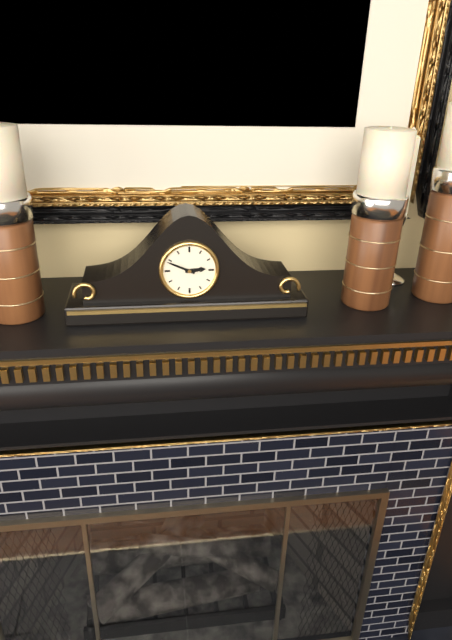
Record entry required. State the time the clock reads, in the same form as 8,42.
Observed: 2,49
